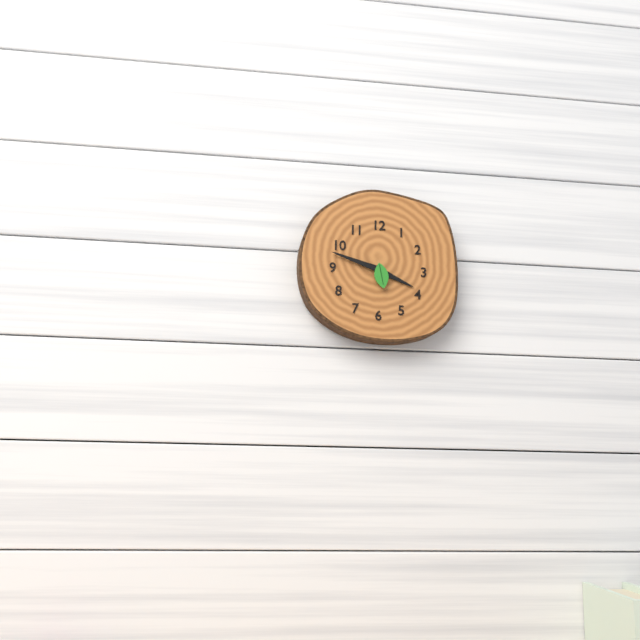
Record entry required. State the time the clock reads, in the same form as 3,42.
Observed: 3,48
